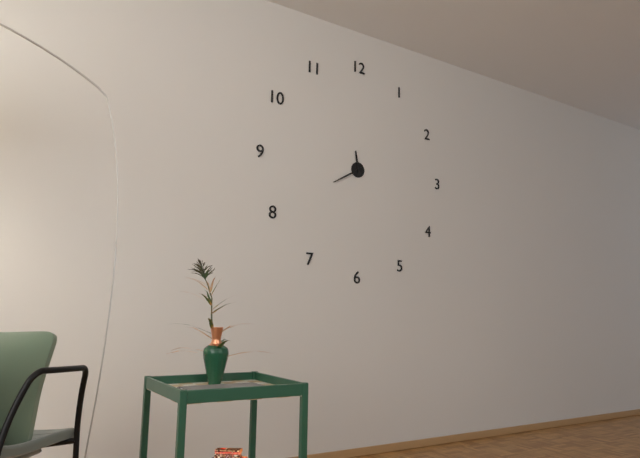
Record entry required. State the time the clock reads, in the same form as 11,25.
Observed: 11,40
